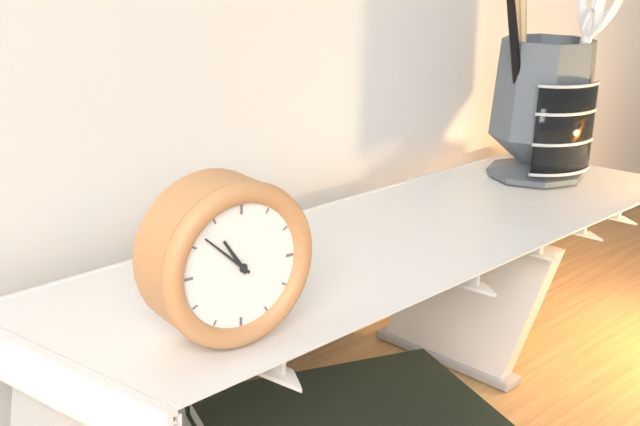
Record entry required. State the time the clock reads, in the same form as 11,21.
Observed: 10,52
